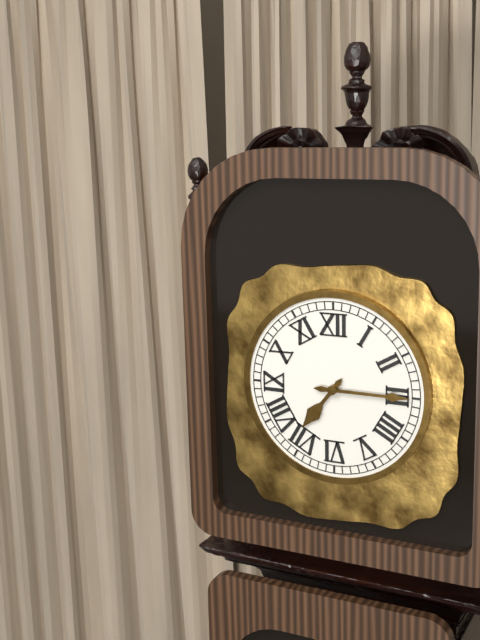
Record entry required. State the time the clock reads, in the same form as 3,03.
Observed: 7,15
